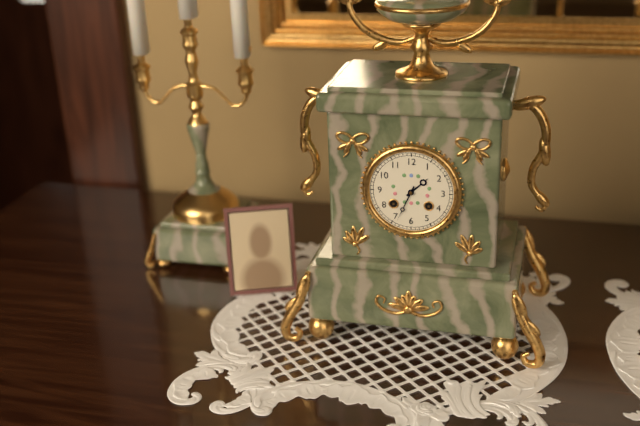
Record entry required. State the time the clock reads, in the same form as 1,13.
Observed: 1,34
